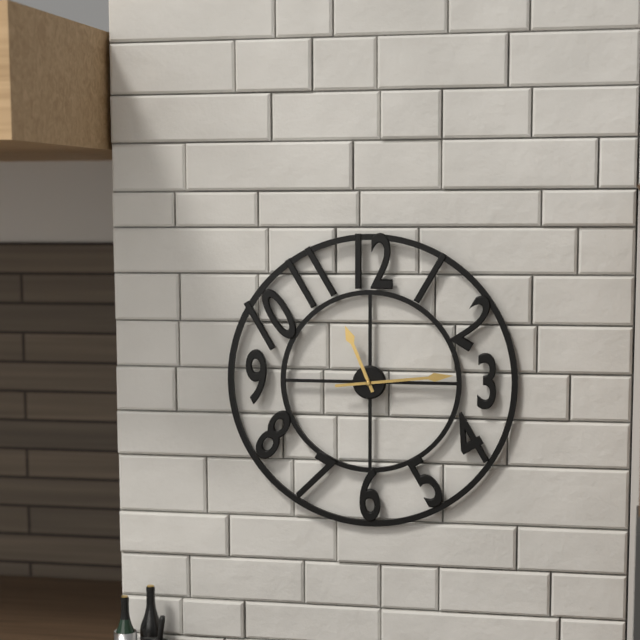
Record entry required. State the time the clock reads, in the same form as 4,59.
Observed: 11,14
